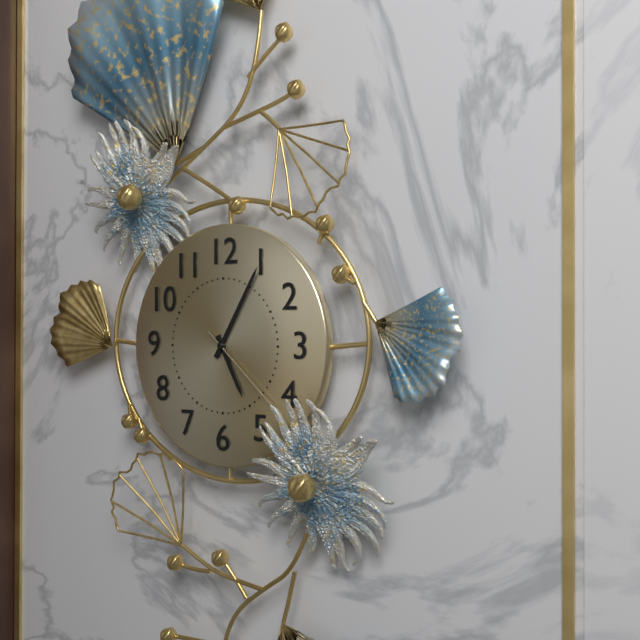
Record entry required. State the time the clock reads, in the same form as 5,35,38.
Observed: 5,05,22
